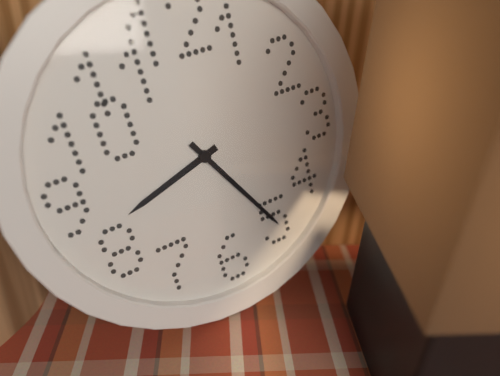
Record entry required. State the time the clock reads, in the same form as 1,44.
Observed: 8,25
